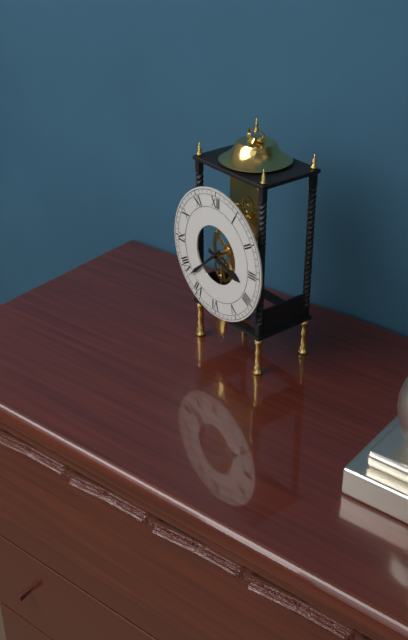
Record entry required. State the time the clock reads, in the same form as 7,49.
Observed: 3,38
